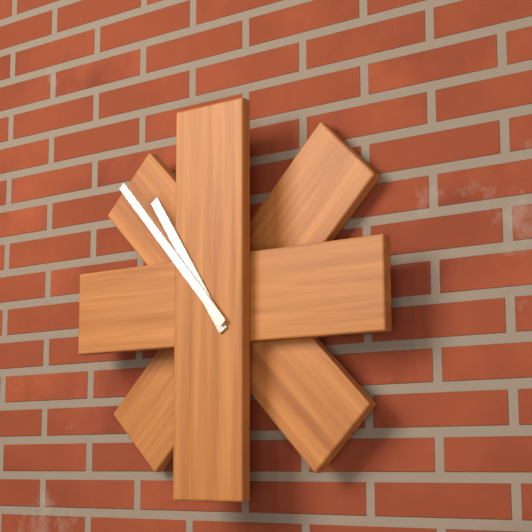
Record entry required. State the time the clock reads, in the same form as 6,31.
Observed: 10,53
